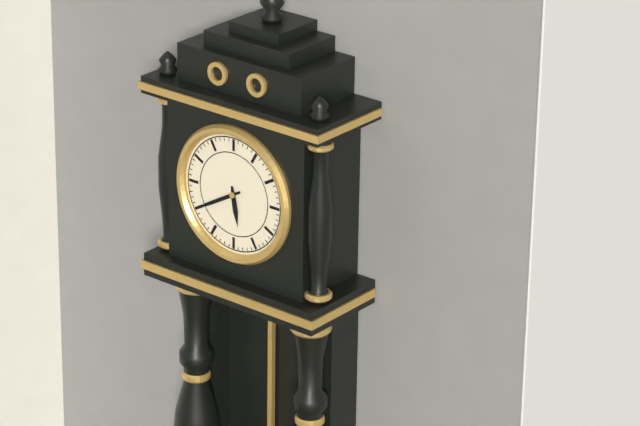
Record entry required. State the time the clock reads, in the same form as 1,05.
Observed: 5,40
